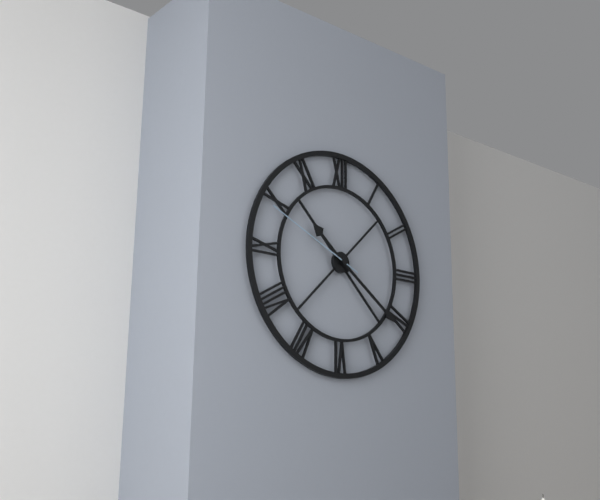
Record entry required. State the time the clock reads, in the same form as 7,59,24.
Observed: 10,21,49
